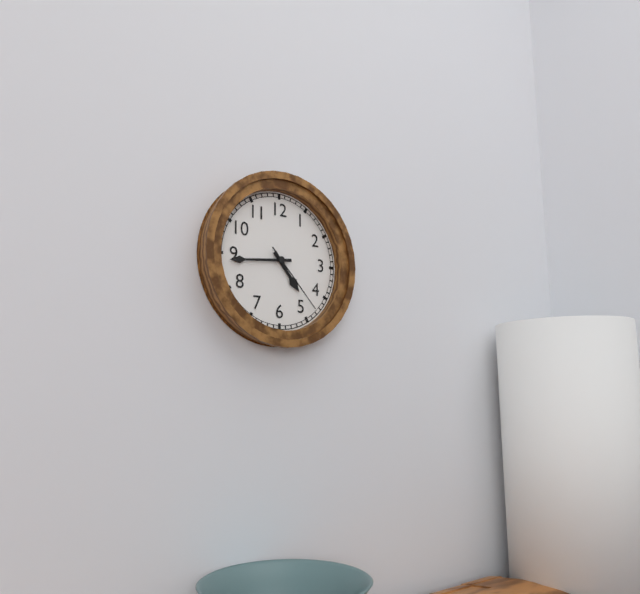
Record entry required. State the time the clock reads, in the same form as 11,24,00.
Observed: 4,44,23
